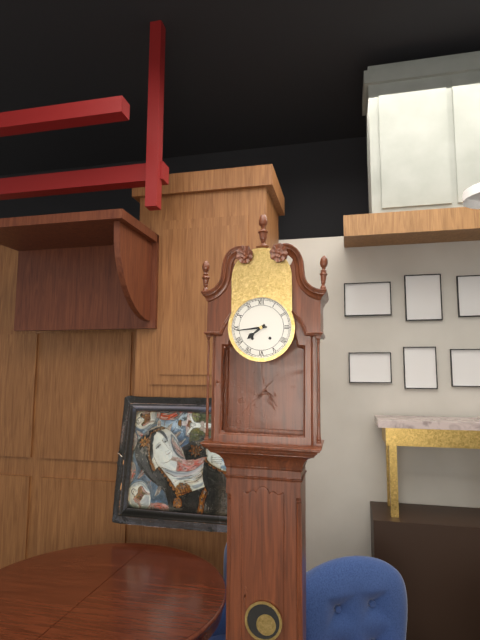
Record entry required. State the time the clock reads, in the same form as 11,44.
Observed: 7,44
